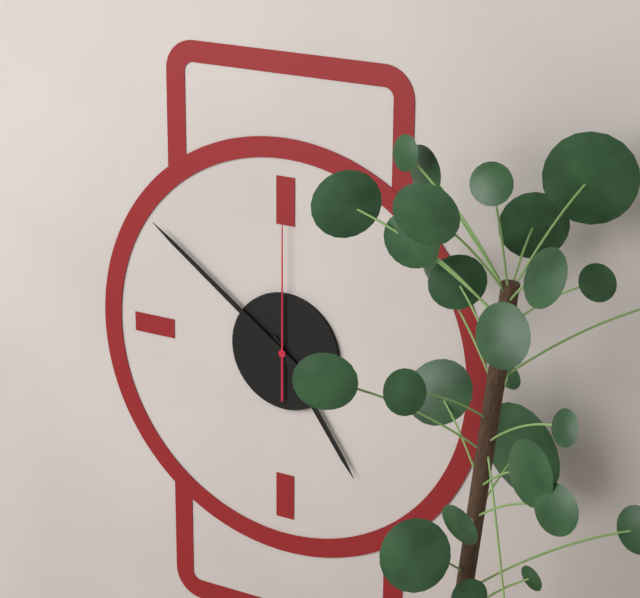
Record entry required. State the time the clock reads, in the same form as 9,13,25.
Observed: 4,51,00
